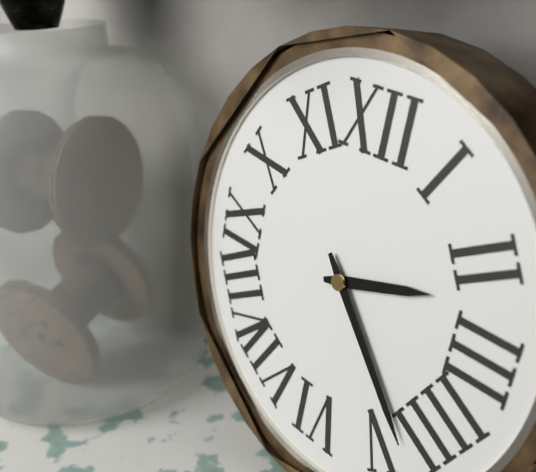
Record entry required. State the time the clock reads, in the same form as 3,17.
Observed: 2,23
